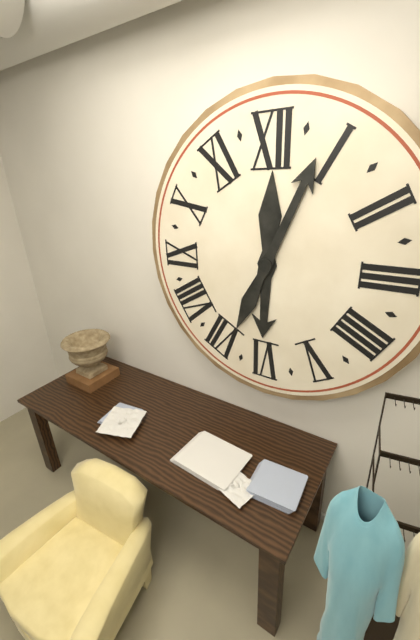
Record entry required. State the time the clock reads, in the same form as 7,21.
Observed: 6,04
